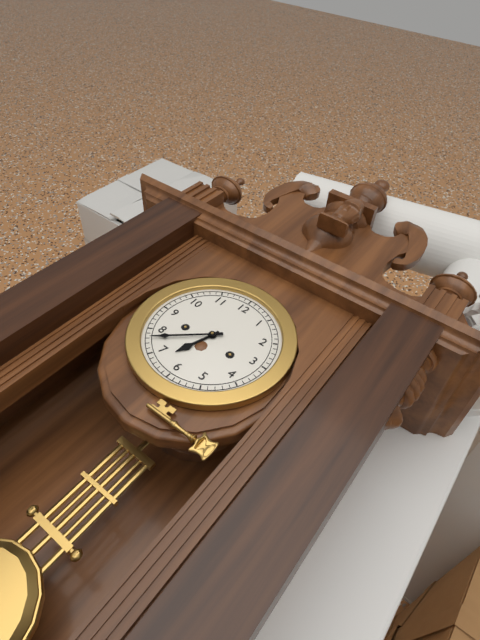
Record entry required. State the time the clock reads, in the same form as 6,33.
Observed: 6,38
